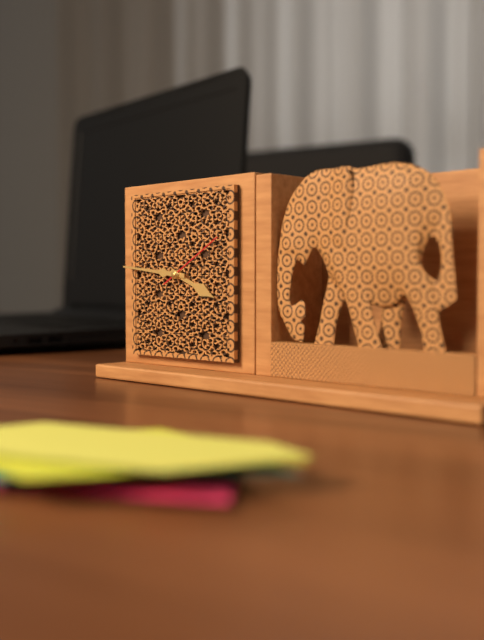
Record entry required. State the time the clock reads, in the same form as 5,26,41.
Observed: 3,46,10
